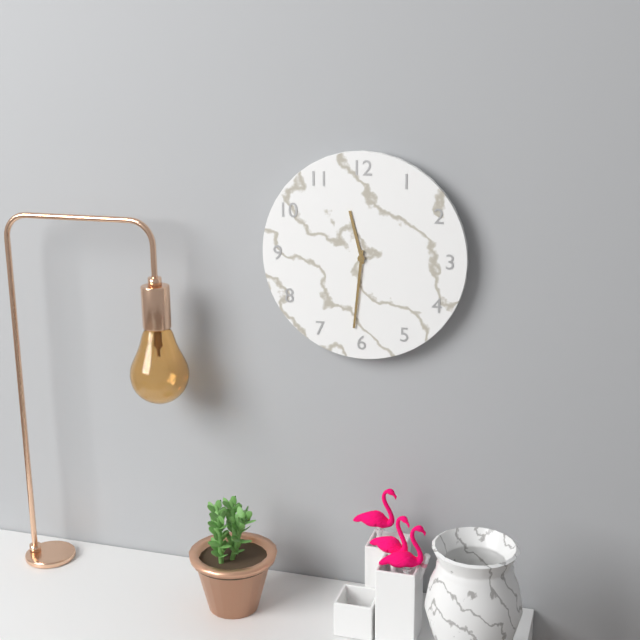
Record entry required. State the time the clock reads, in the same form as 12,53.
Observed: 11,31
